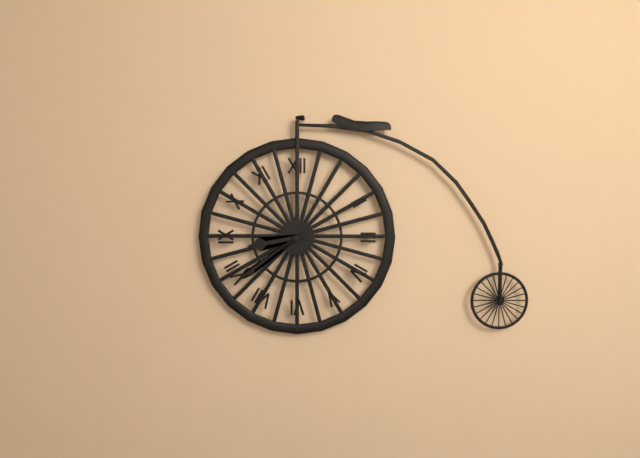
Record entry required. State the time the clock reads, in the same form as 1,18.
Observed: 8,39
